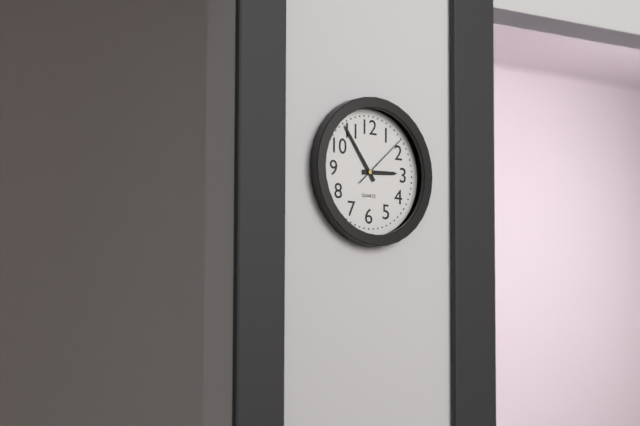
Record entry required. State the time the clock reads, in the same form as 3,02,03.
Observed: 2,54,08
